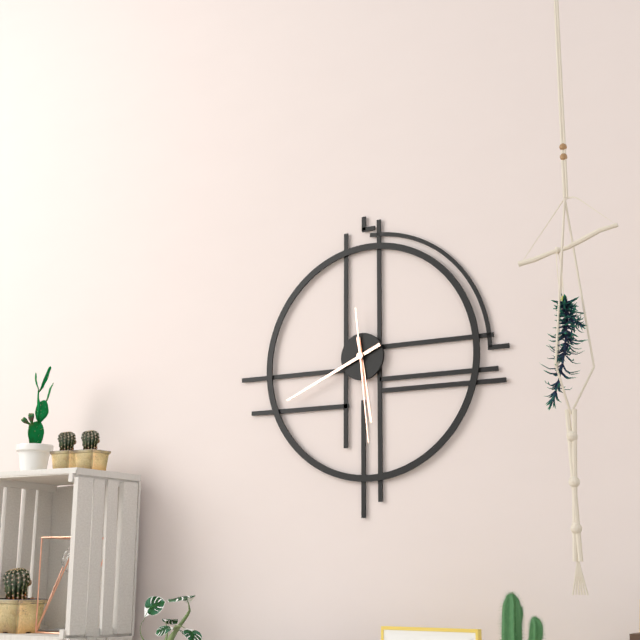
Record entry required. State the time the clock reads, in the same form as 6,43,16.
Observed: 5,41,29
